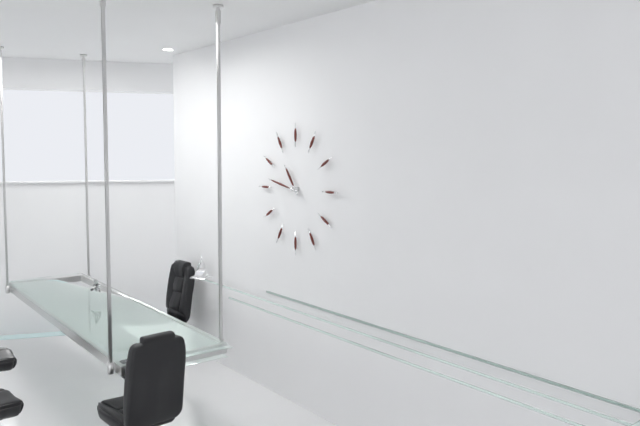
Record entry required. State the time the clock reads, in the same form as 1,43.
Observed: 10,47
